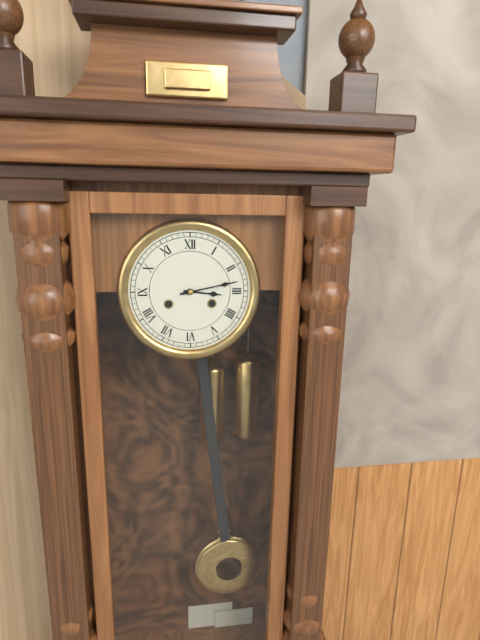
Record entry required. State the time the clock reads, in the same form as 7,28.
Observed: 3,13
